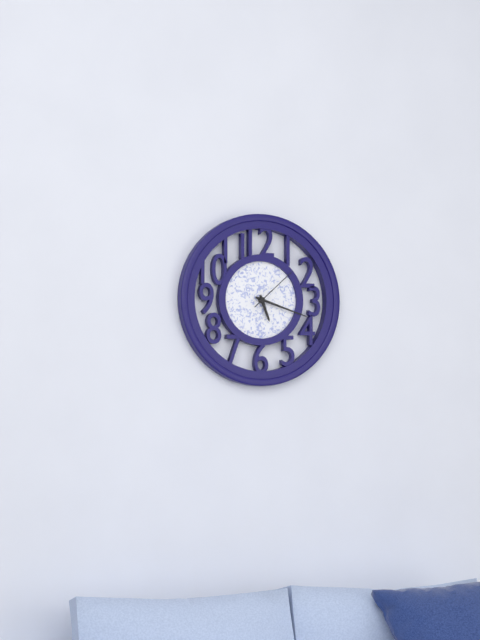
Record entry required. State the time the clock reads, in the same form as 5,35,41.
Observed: 5,18,08
